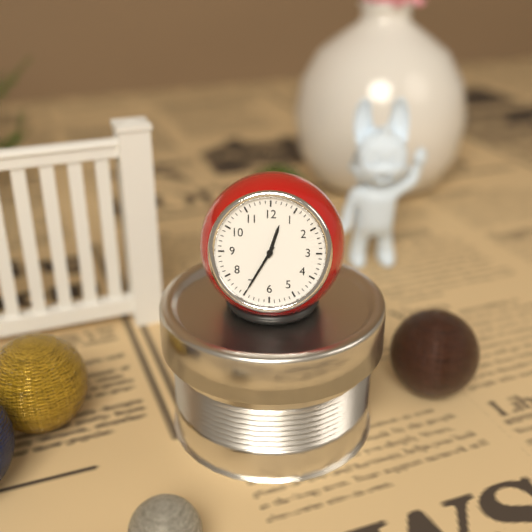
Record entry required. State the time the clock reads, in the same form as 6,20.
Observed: 12,35
